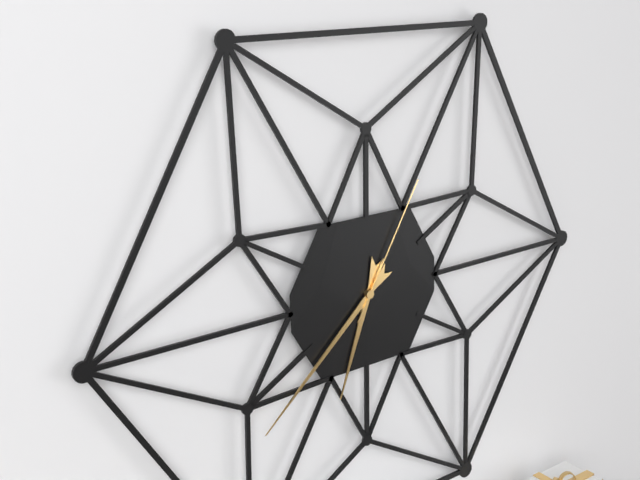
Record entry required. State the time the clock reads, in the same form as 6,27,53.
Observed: 6,38,05
